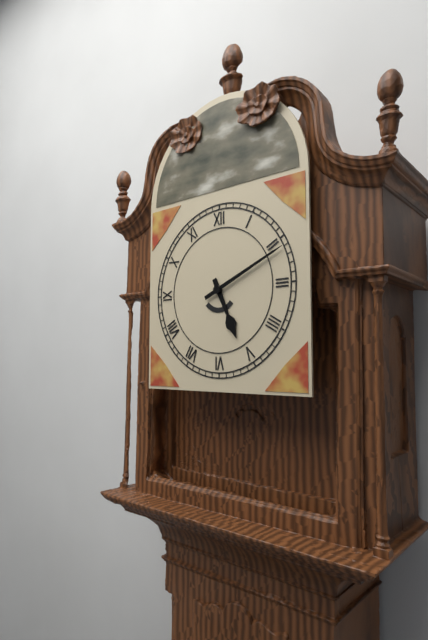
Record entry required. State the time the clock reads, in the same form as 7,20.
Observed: 5,11
